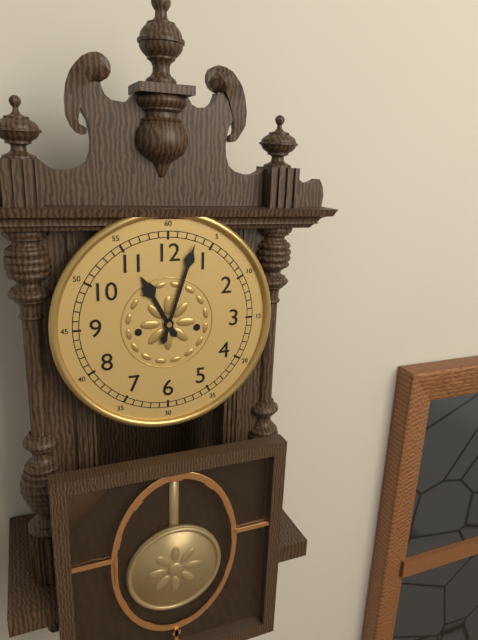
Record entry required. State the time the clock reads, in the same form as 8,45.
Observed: 11,03
